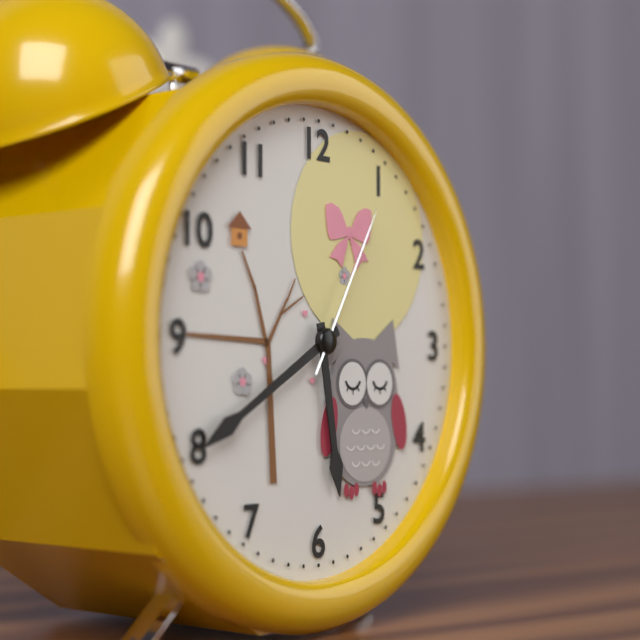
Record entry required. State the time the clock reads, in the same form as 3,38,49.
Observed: 5,40,05
